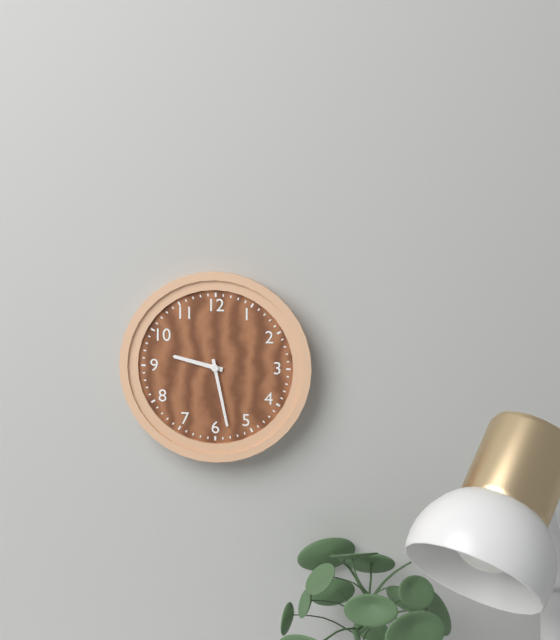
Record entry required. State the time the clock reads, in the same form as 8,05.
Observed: 9,28
